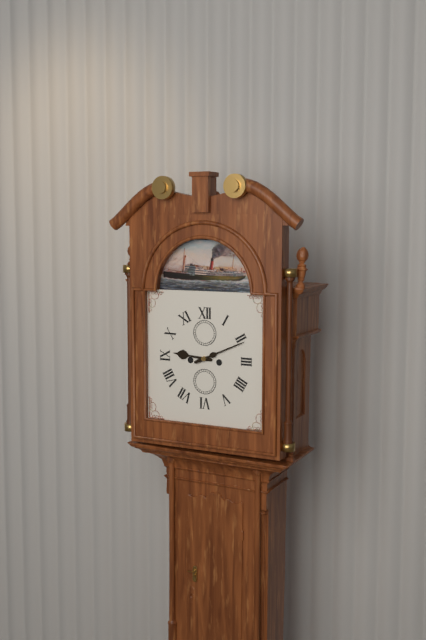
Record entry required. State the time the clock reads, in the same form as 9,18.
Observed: 9,11
